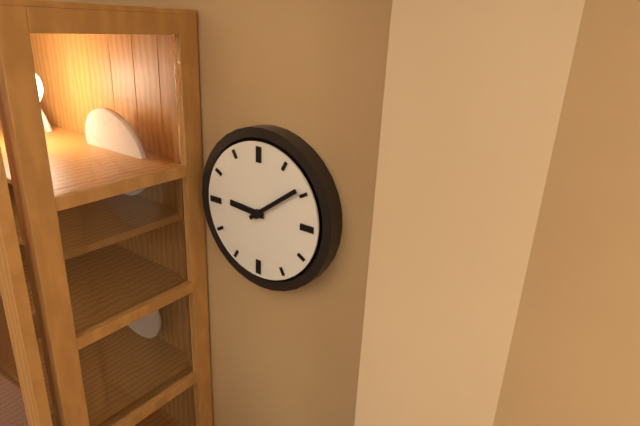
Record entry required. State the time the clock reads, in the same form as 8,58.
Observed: 9,09
